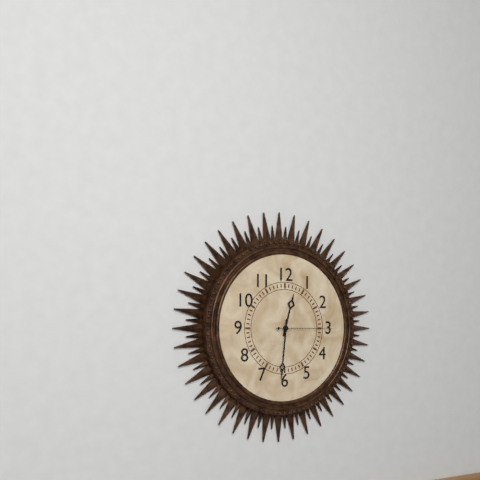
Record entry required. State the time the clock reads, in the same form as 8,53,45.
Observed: 12,31,15
